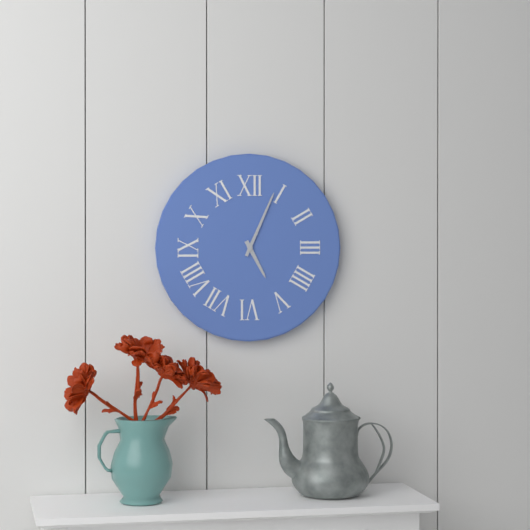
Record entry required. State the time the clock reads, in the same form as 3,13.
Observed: 5,04
